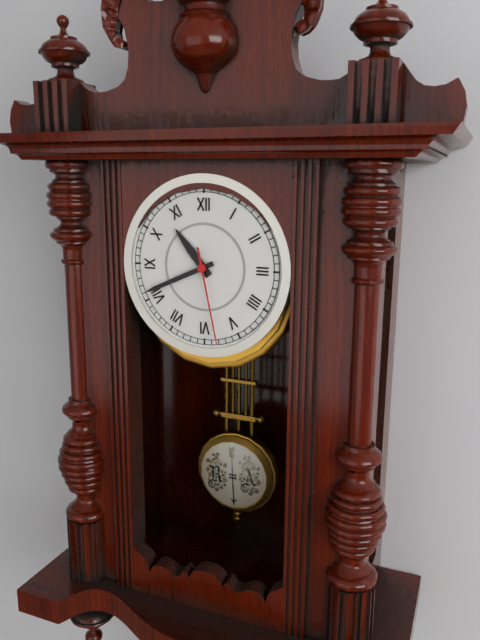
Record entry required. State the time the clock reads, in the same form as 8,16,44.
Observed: 10,41,28
